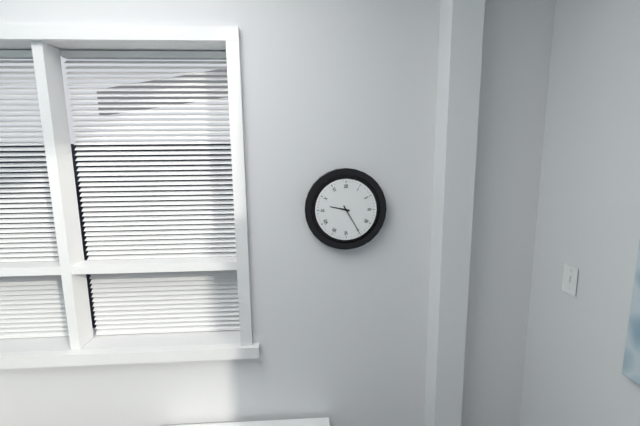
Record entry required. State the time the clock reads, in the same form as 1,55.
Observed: 9,25
